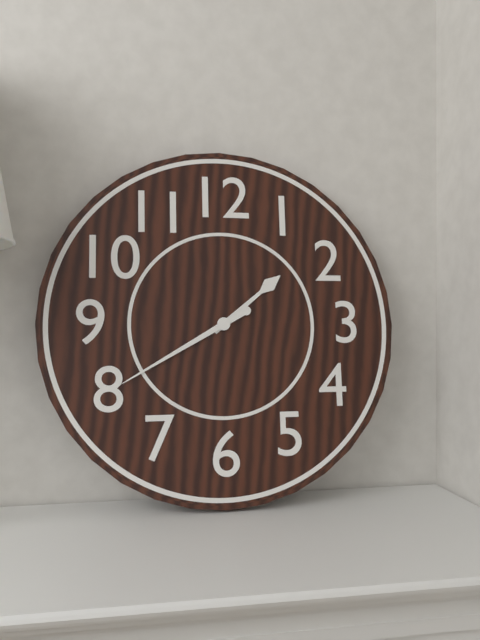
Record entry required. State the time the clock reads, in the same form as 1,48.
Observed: 1,40
